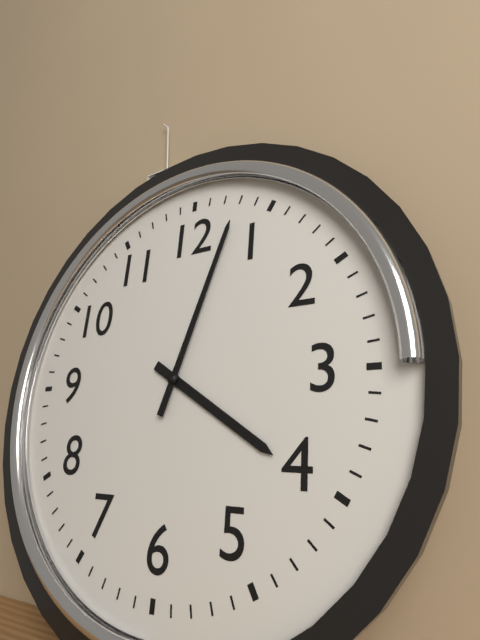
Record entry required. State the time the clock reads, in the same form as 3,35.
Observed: 4,03
